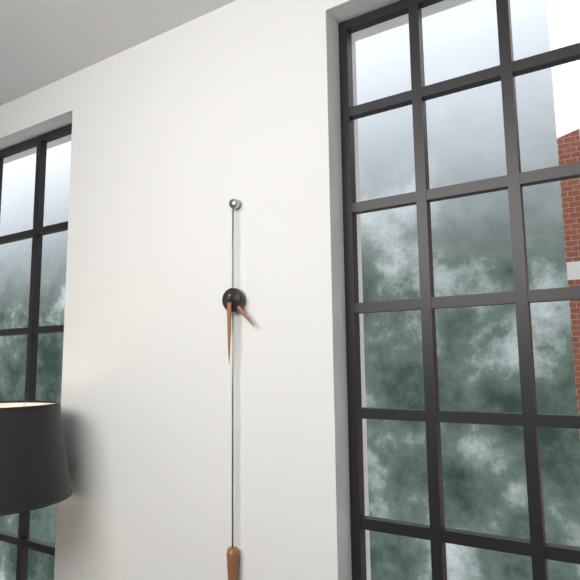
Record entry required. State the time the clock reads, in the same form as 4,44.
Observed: 4,30
